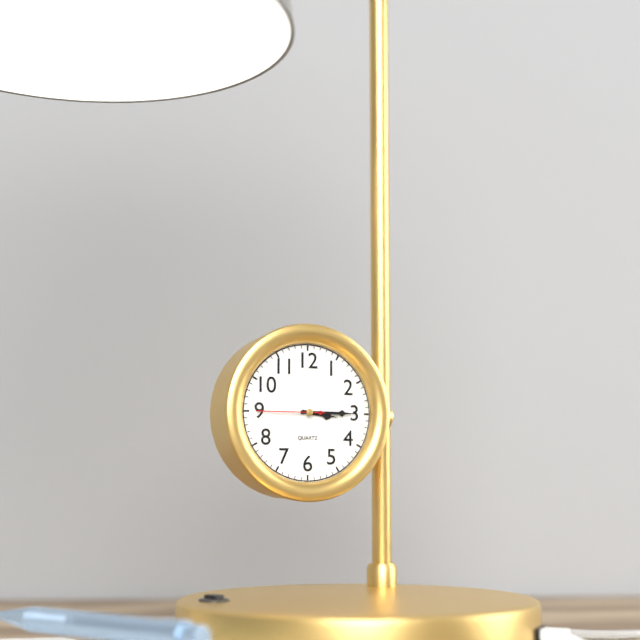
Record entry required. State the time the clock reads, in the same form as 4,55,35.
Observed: 3,15,45
